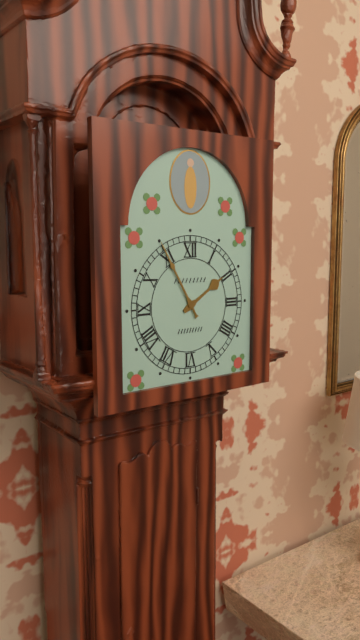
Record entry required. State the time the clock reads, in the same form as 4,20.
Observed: 1,55
